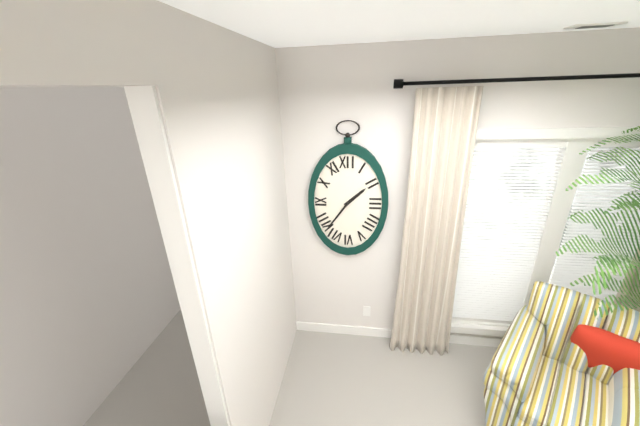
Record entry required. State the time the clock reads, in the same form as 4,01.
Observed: 1,36
